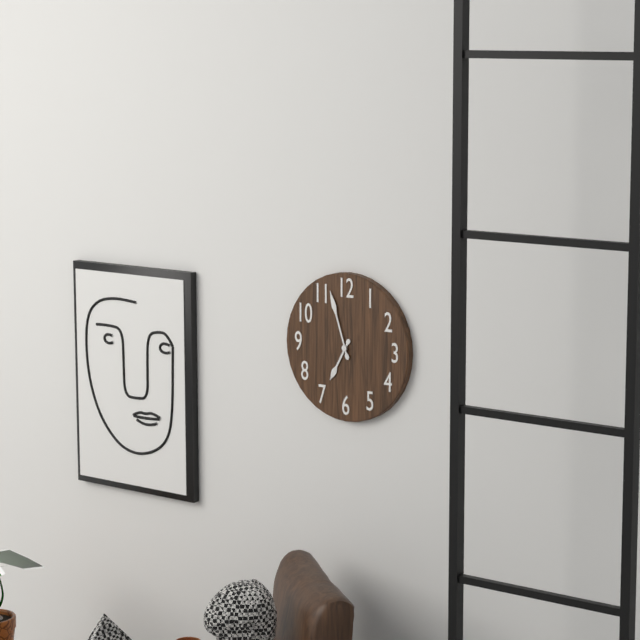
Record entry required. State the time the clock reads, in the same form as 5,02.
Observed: 6,57
